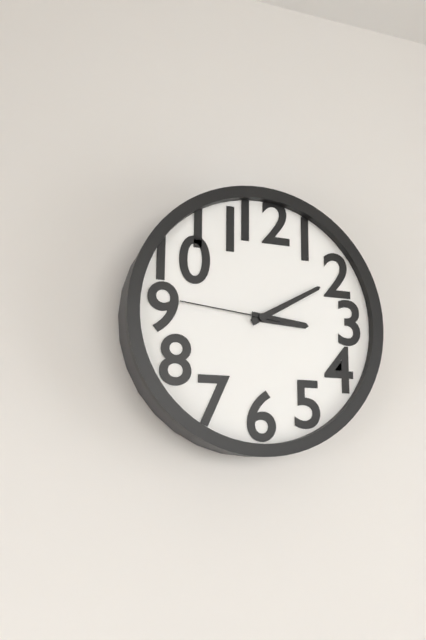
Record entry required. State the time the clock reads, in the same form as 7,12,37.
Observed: 3,10,46
